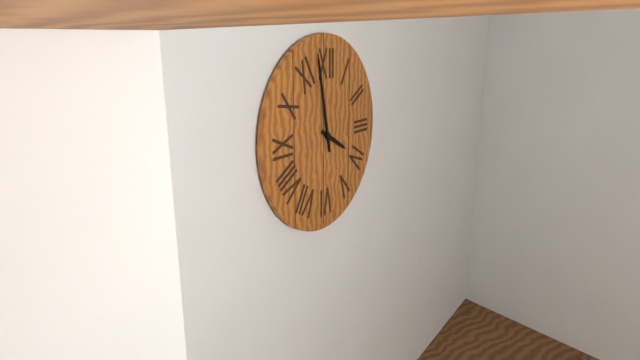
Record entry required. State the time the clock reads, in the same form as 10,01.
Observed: 3,58
